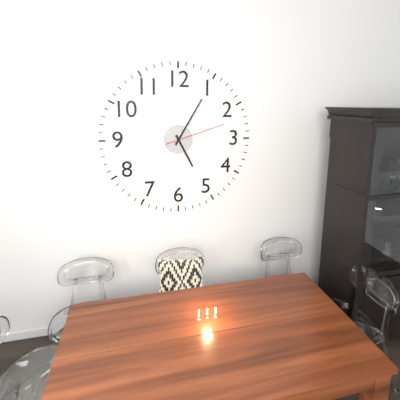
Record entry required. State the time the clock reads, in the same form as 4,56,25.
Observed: 5,05,12
